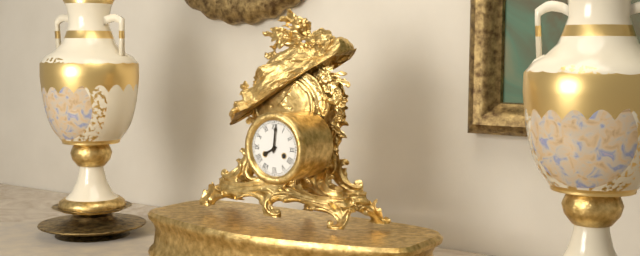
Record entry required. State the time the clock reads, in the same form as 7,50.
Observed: 8,01
